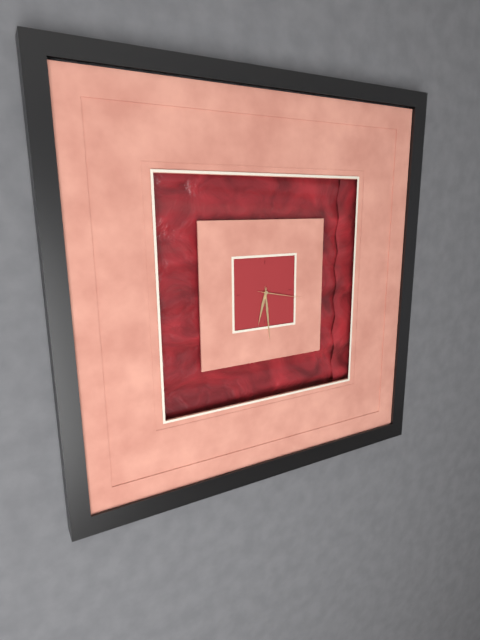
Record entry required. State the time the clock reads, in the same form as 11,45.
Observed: 6,29
